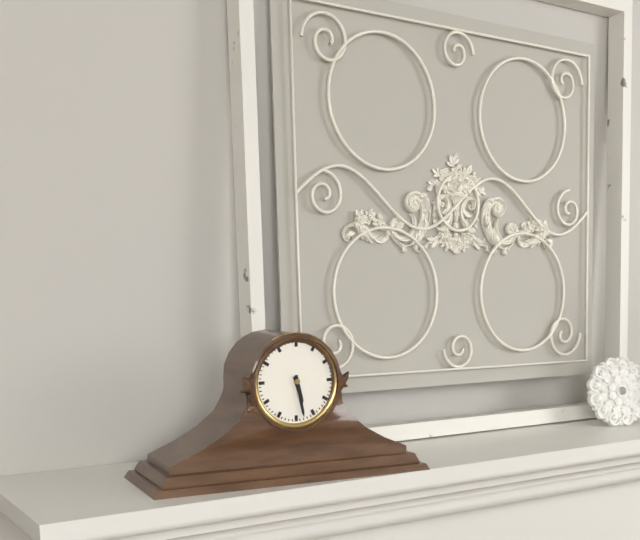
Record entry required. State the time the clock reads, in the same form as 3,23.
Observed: 5,28
